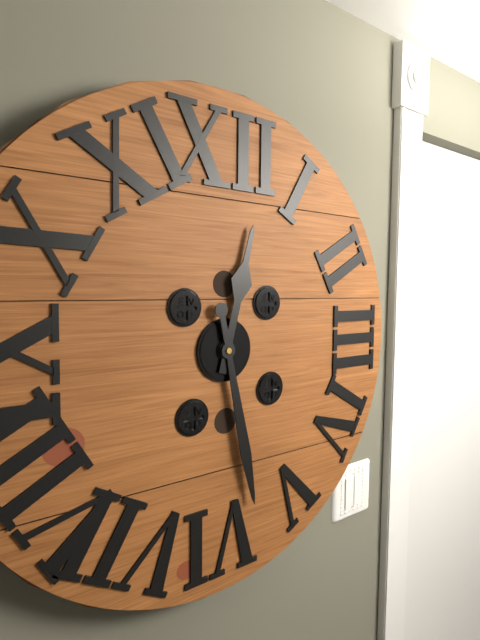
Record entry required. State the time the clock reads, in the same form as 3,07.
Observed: 12,28
